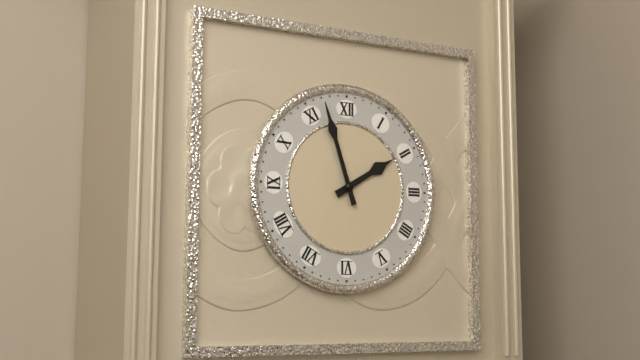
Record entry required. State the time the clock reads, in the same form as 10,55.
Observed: 1,57
